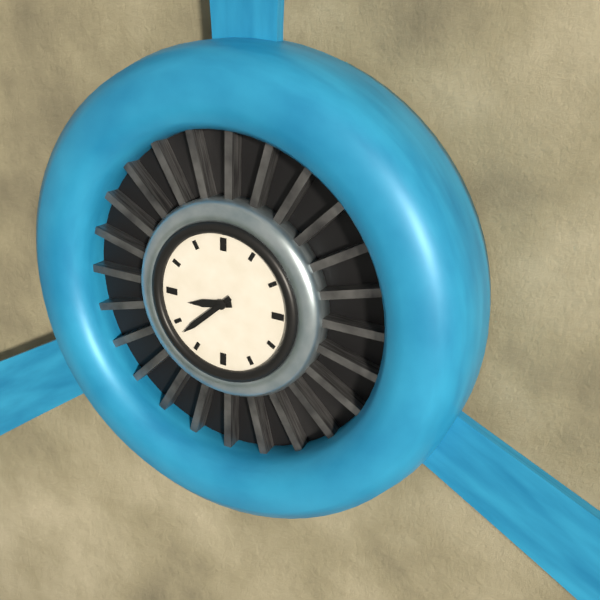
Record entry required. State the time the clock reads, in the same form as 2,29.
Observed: 8,38
